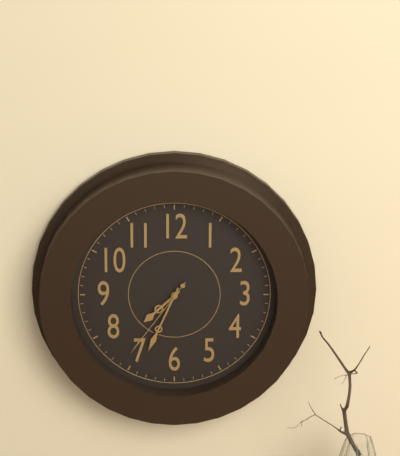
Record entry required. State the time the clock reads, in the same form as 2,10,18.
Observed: 7,34,36
